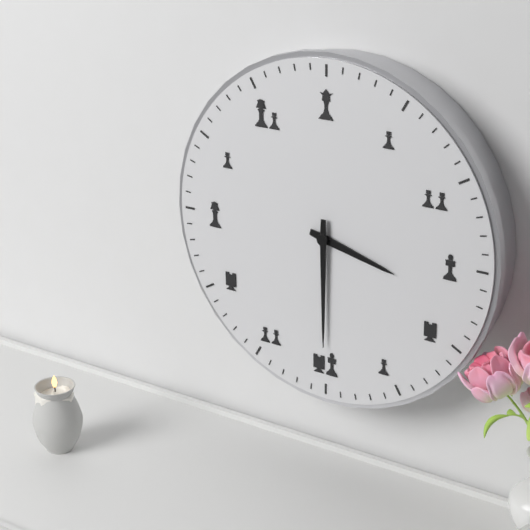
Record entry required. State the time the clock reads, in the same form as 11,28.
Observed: 3,30
